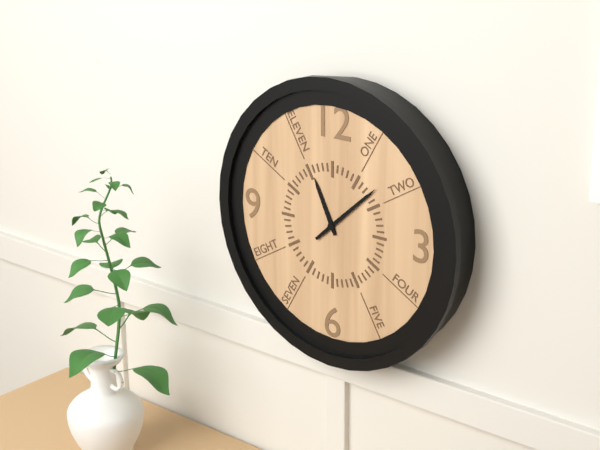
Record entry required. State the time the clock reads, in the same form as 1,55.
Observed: 11,08
